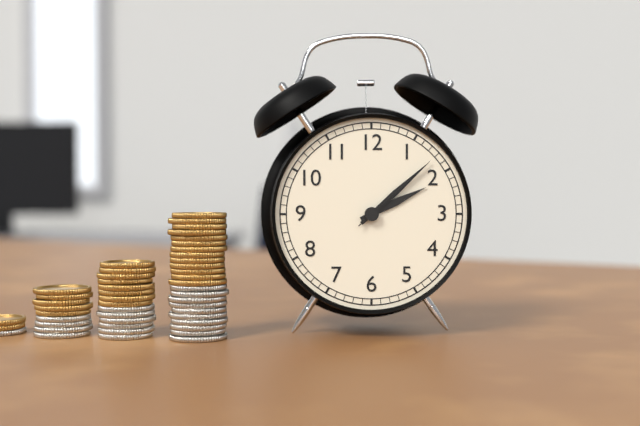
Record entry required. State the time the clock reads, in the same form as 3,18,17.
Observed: 2,08,08
